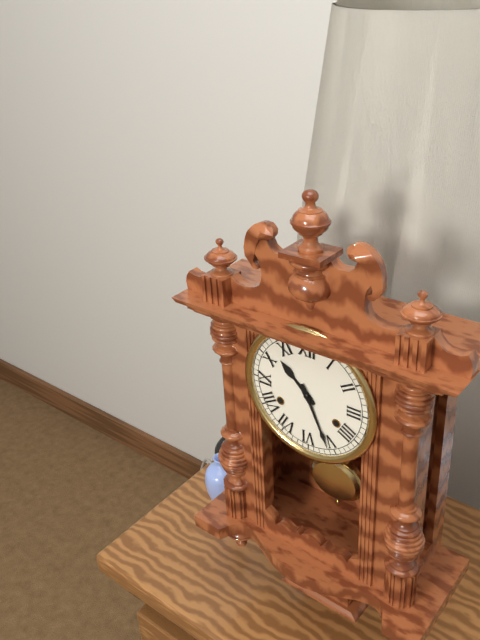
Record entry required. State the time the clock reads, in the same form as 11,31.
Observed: 10,26
